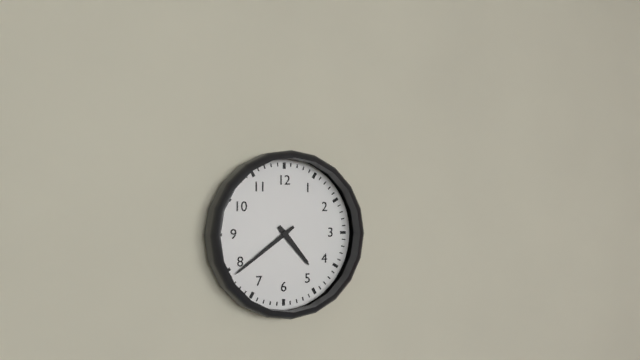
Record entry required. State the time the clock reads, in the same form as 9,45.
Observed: 4,39
